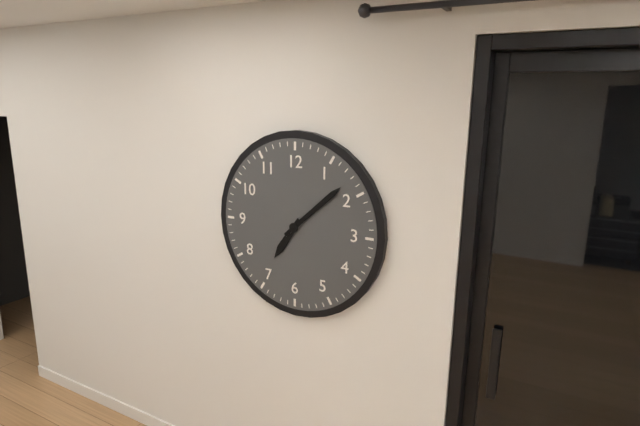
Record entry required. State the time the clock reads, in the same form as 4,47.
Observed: 7,08
